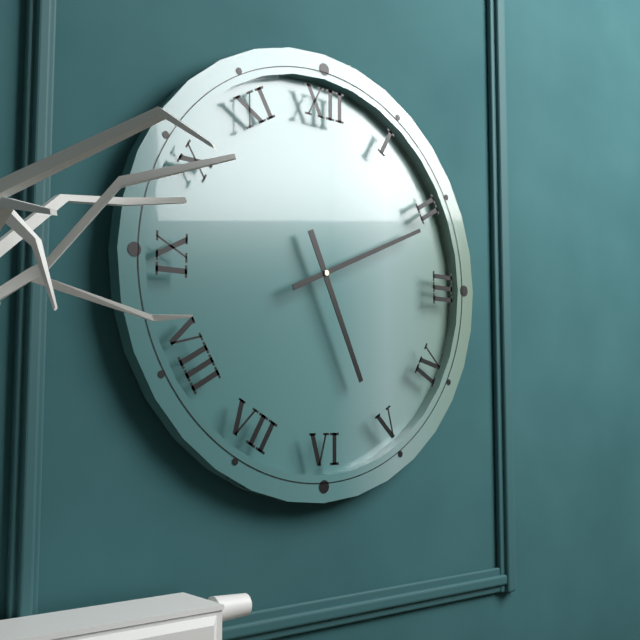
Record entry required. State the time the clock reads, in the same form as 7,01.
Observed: 5,11
